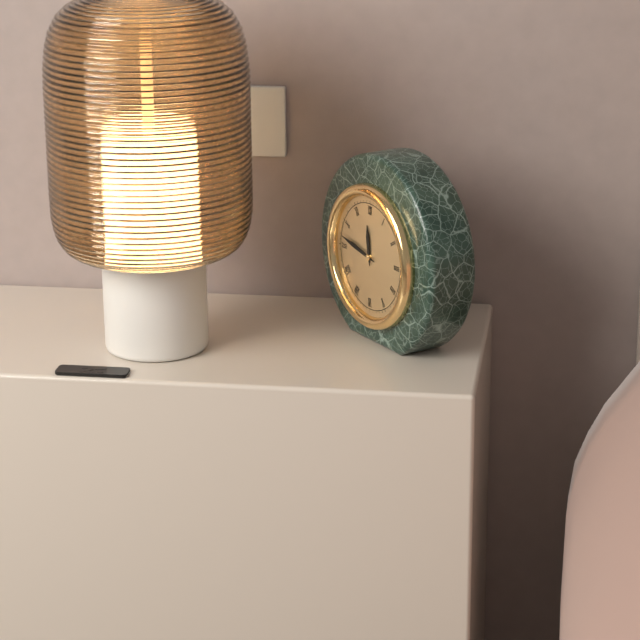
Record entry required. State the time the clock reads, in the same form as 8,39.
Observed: 11,47
